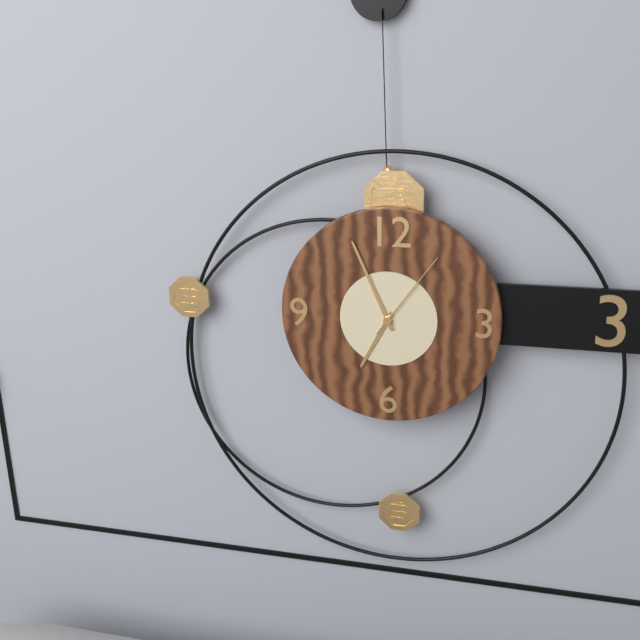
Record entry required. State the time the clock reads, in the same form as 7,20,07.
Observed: 6,56,06
